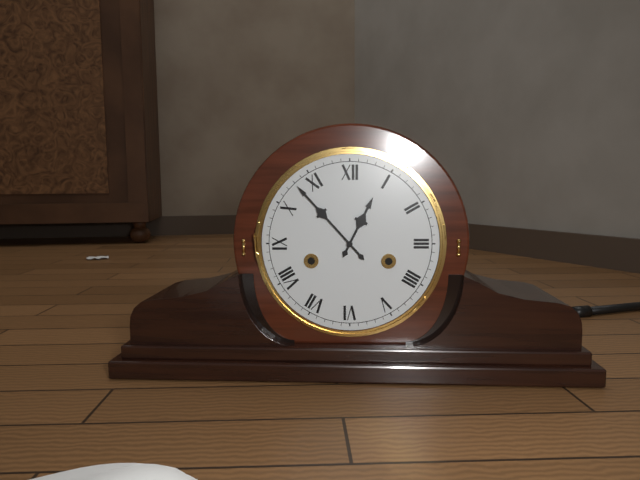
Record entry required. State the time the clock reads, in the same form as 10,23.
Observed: 12,53
